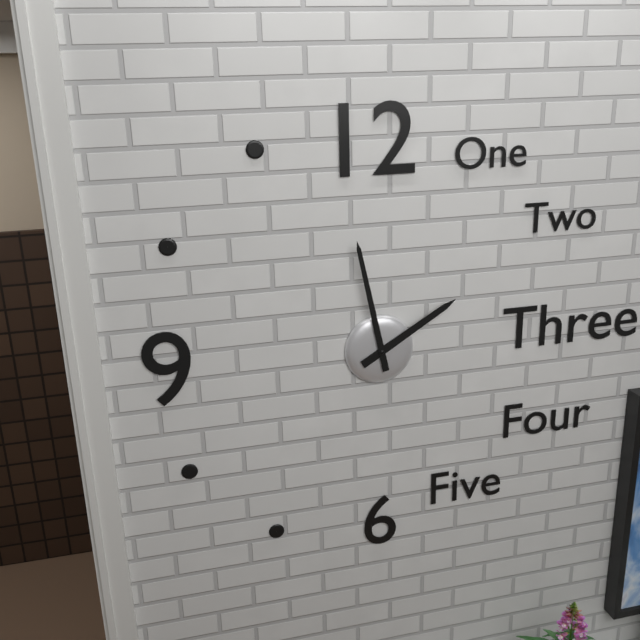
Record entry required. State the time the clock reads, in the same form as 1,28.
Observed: 1,58
